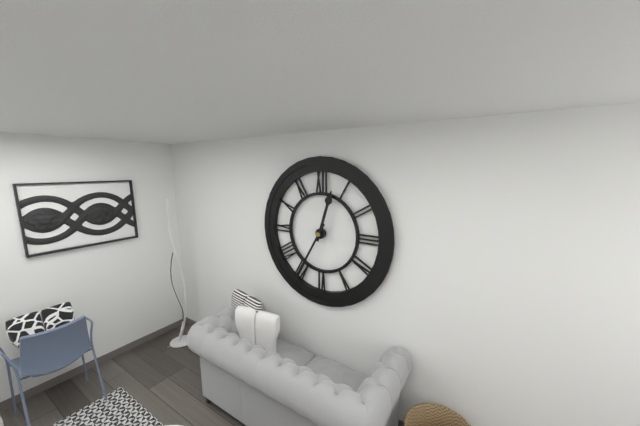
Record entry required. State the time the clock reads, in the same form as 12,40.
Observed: 12,35
